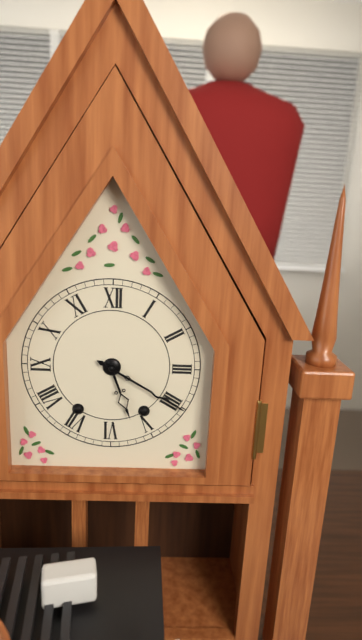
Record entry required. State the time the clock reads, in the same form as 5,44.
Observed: 5,20
